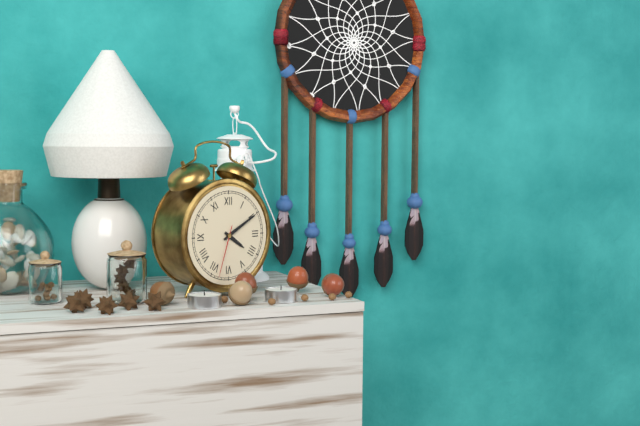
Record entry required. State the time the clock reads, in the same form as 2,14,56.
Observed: 4,10,33
